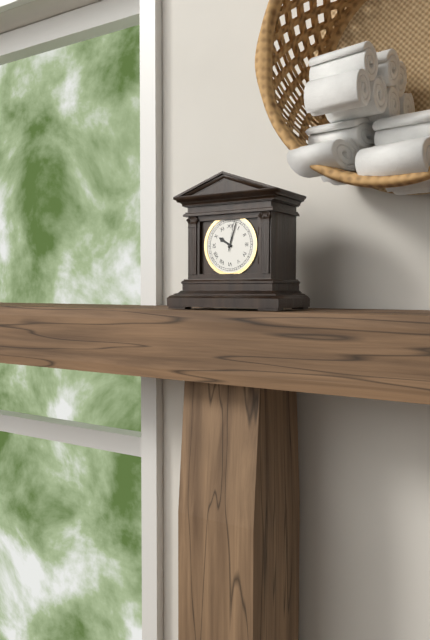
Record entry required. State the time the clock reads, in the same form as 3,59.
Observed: 10,03
